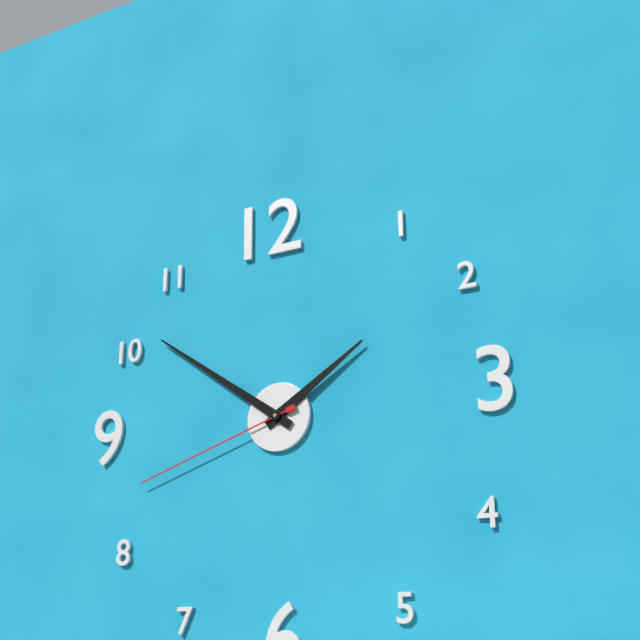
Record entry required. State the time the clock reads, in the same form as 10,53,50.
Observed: 1,51,42
